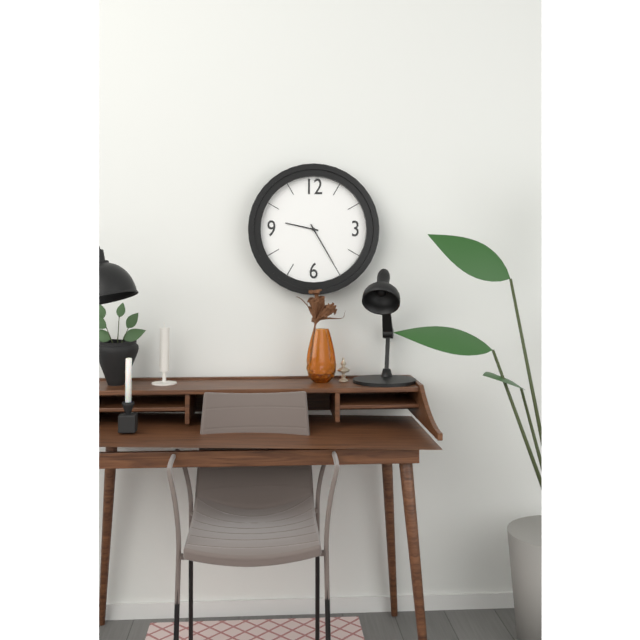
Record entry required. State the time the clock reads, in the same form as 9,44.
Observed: 9,25
